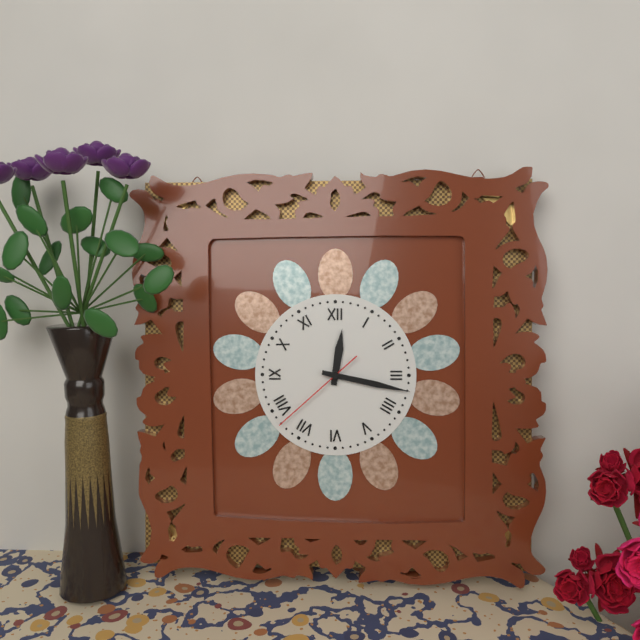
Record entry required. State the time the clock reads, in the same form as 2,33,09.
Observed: 12,17,38
